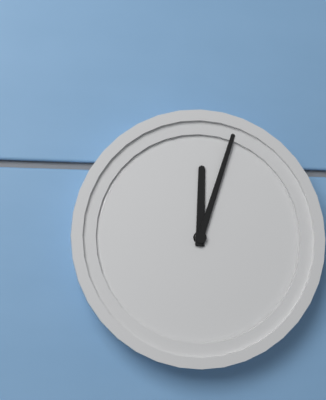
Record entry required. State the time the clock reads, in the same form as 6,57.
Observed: 12,03
